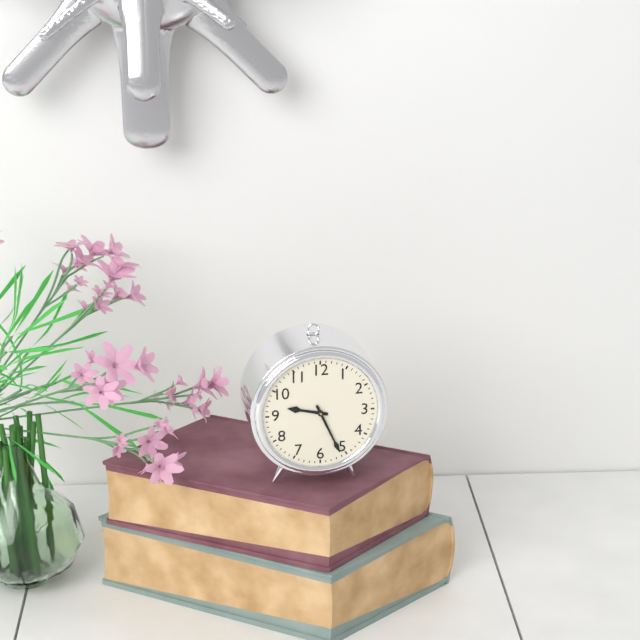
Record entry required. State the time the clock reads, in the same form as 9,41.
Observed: 9,26
